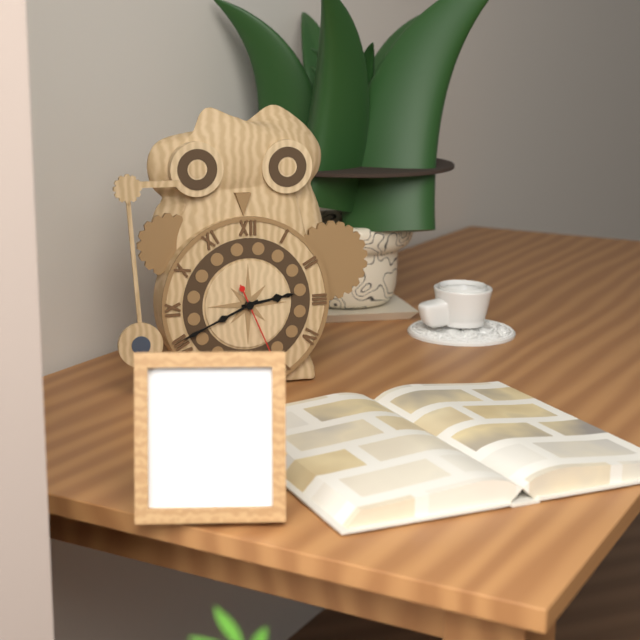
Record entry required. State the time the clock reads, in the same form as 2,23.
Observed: 2,41
